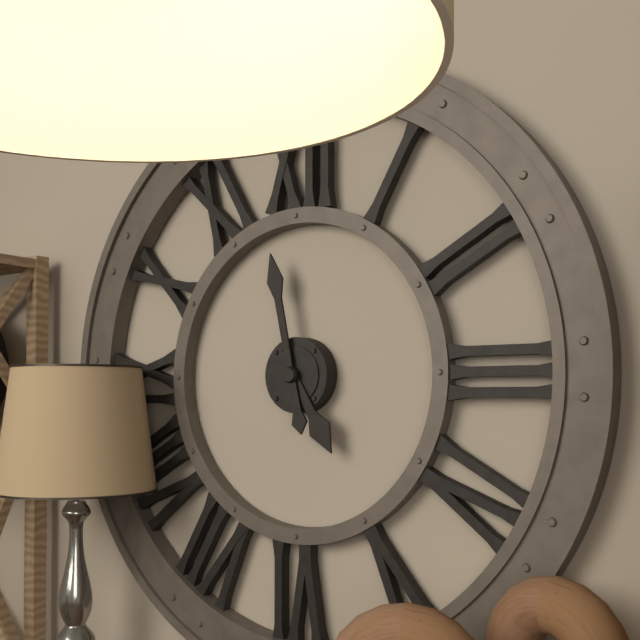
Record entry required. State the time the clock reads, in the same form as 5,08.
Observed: 4,58
